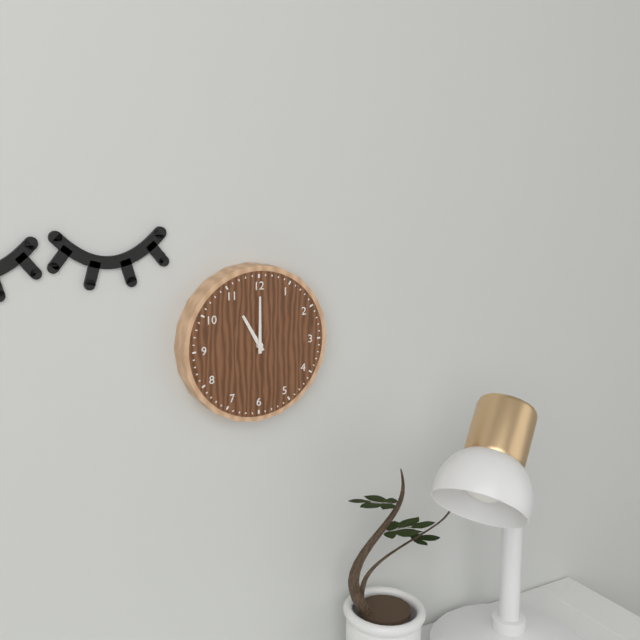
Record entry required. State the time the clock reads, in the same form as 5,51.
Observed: 11,00
